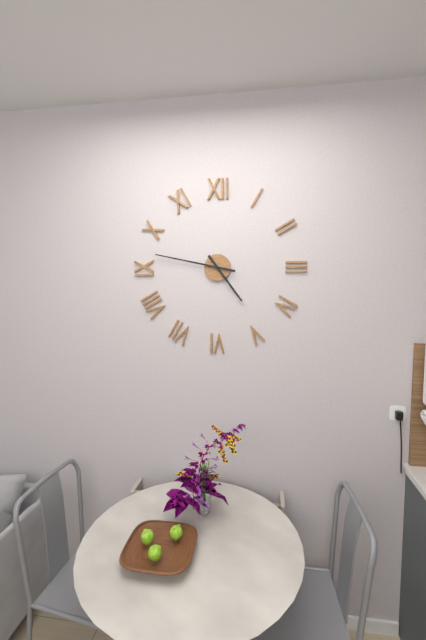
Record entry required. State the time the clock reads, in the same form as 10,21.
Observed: 4,47
